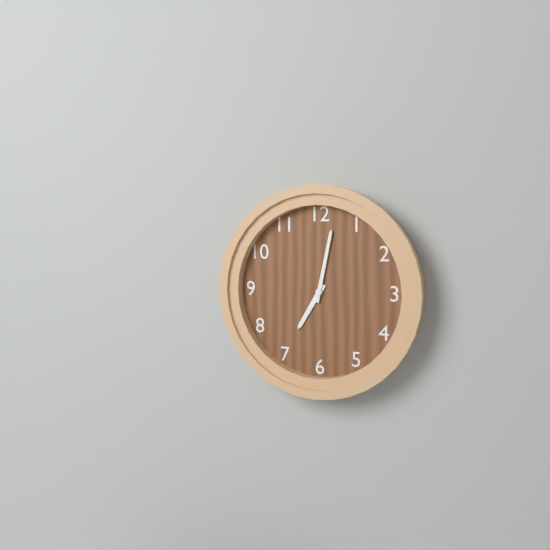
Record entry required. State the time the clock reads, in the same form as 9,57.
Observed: 7,02
